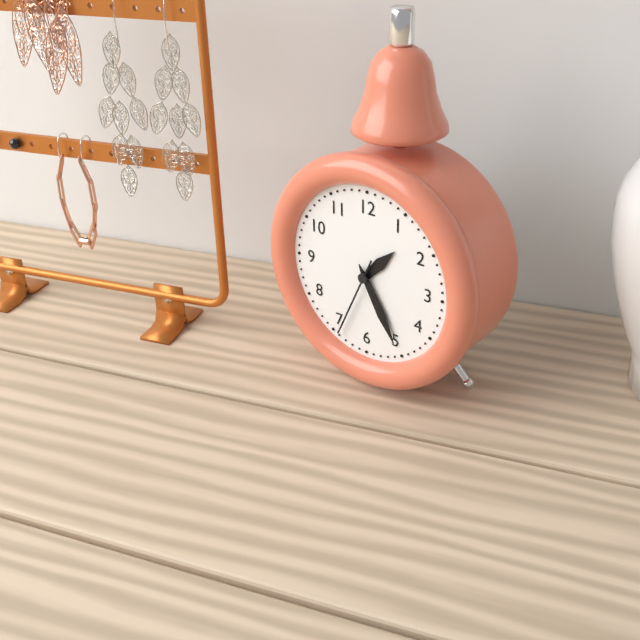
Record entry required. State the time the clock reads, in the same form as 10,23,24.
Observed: 1,25,34
